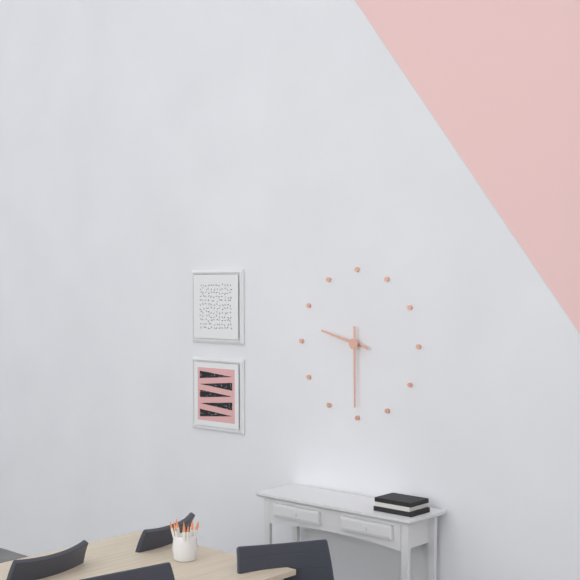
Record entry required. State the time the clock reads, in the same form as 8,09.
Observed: 9,30
